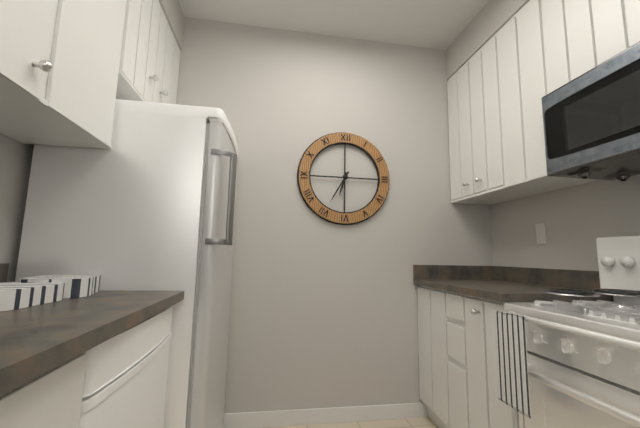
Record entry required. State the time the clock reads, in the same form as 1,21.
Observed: 6,35
